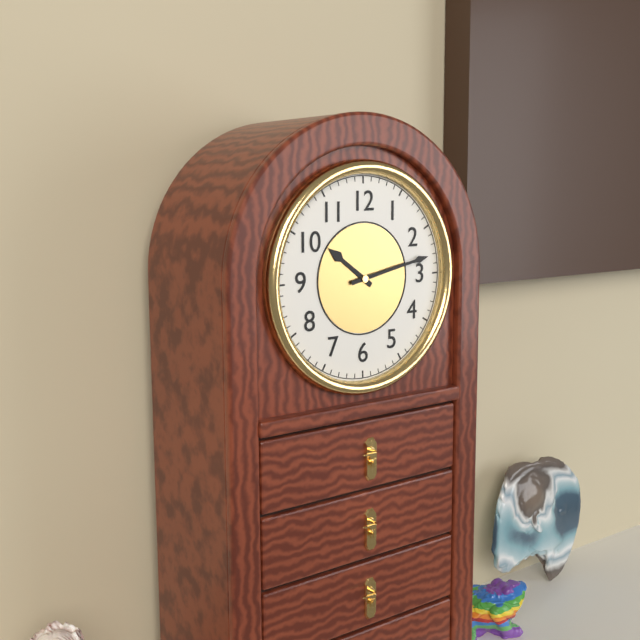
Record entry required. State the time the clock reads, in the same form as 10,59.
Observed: 10,13
